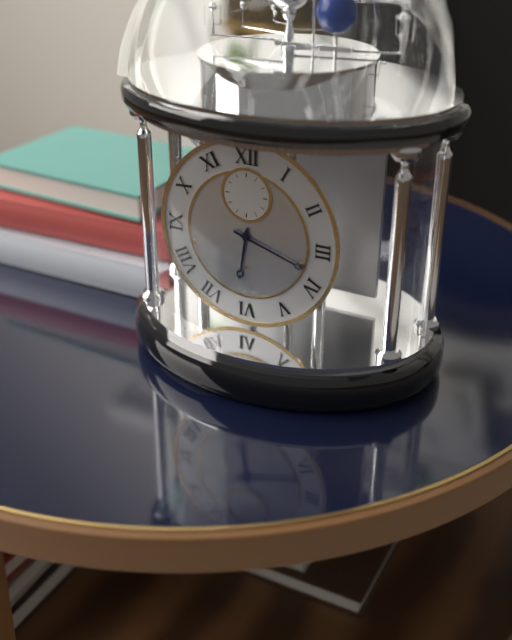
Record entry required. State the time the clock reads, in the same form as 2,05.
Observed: 6,18
